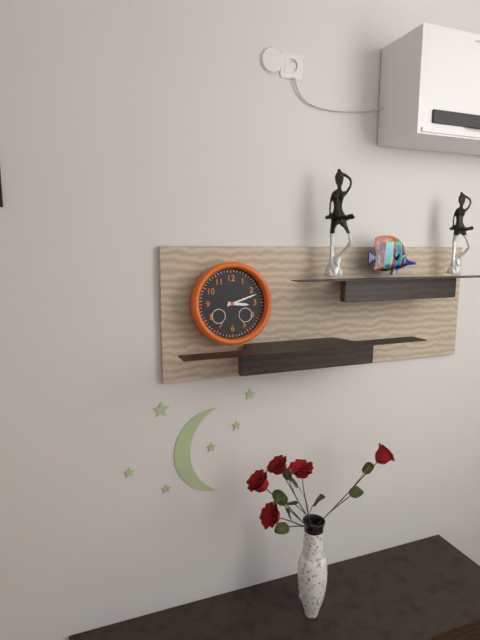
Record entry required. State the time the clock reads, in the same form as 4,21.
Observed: 3,12
